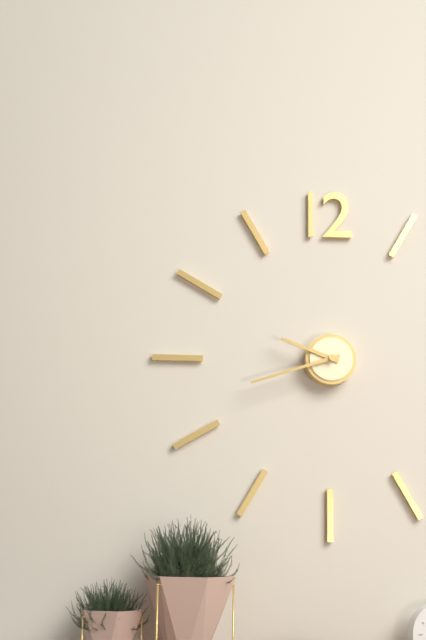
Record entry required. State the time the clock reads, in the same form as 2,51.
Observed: 9,42
